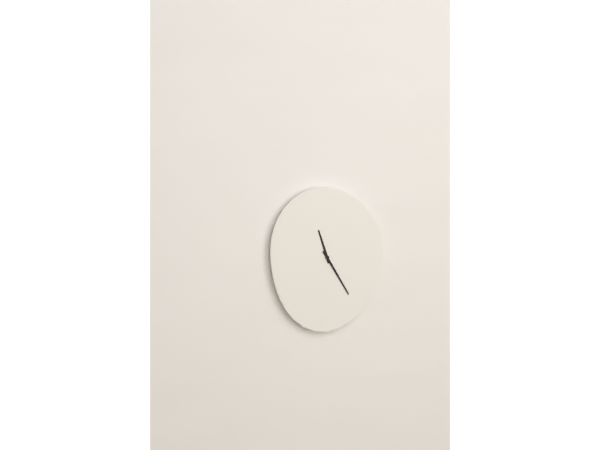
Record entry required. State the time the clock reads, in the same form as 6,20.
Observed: 11,25
